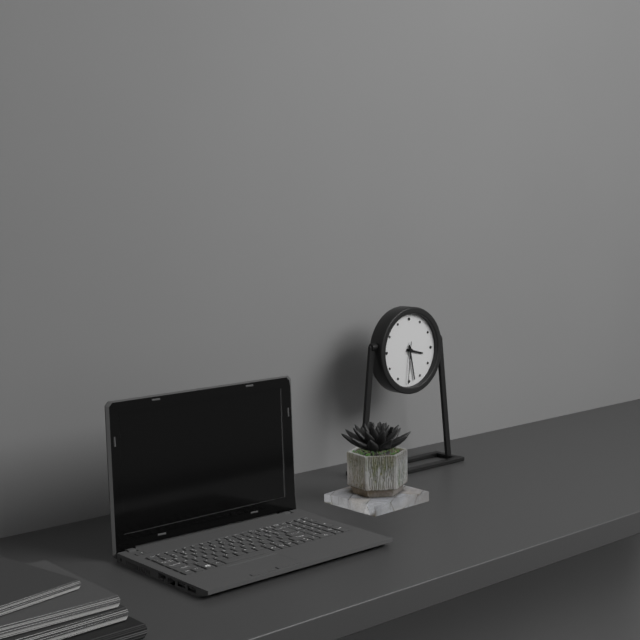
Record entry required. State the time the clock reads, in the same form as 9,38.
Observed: 3,28
